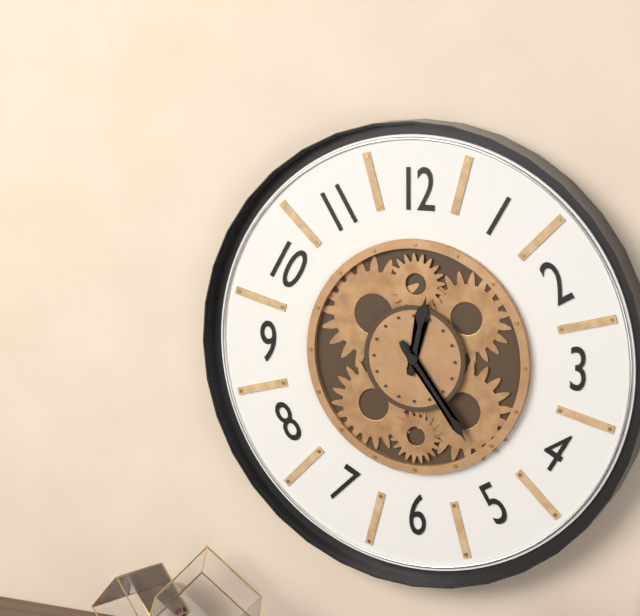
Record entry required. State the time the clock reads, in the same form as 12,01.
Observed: 12,24
